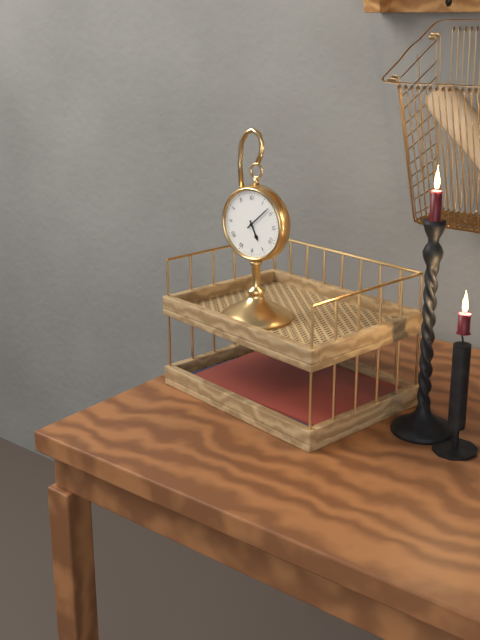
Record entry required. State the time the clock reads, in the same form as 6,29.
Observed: 5,08
